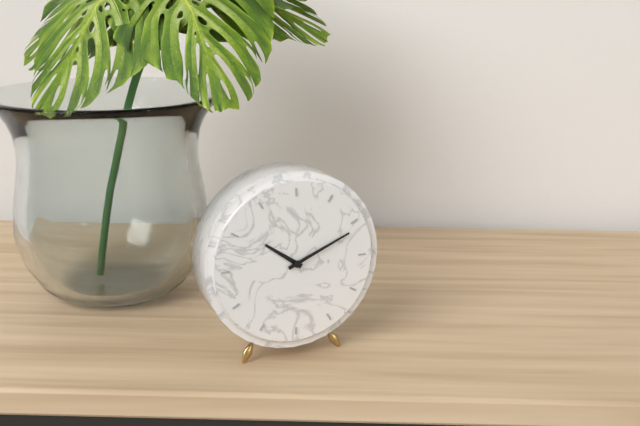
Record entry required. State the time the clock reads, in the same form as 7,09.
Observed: 10,11
